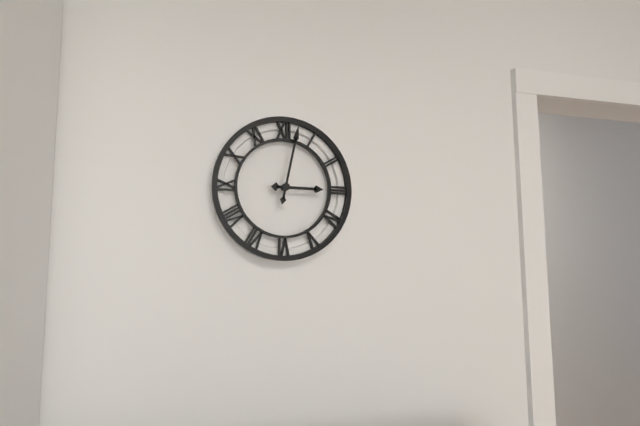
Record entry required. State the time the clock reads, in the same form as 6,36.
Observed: 3,02
